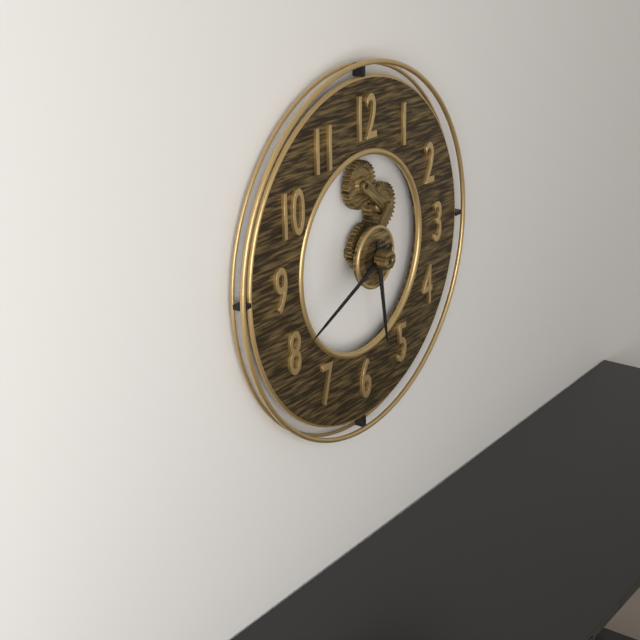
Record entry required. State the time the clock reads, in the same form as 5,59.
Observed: 5,41
